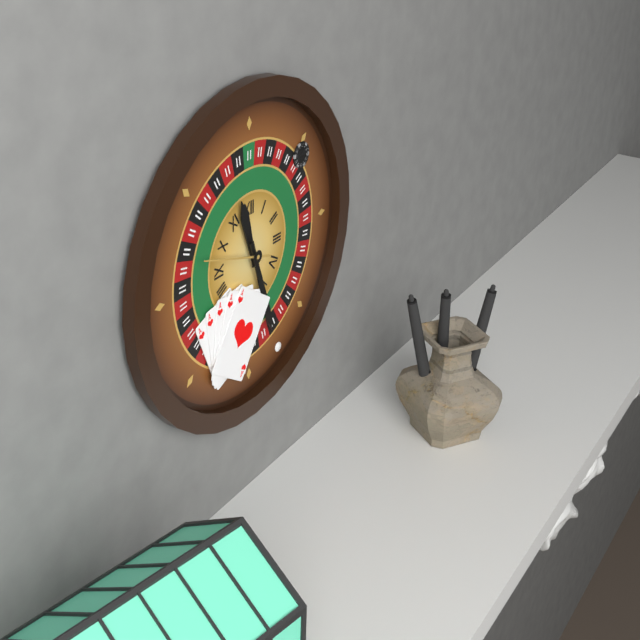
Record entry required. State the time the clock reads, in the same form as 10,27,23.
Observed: 11,27,48
